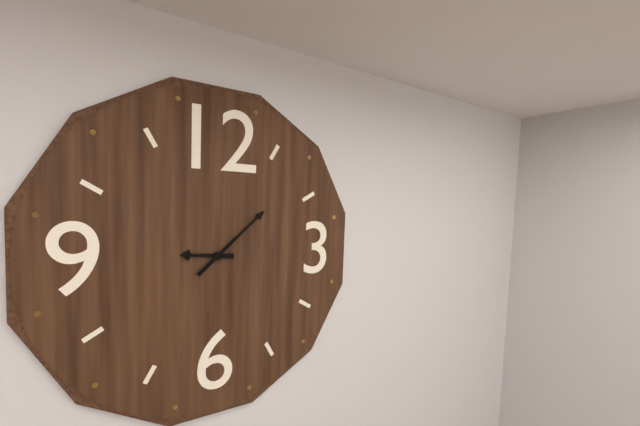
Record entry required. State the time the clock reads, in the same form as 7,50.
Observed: 9,08
